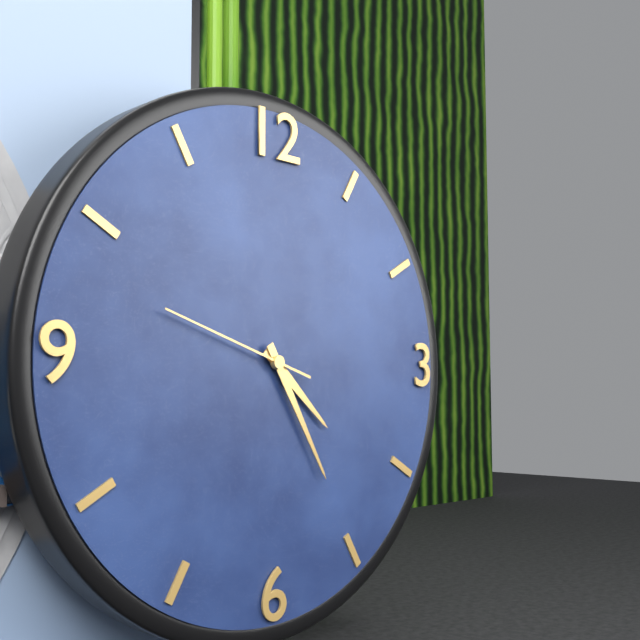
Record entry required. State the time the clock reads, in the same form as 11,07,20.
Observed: 4,25,48
